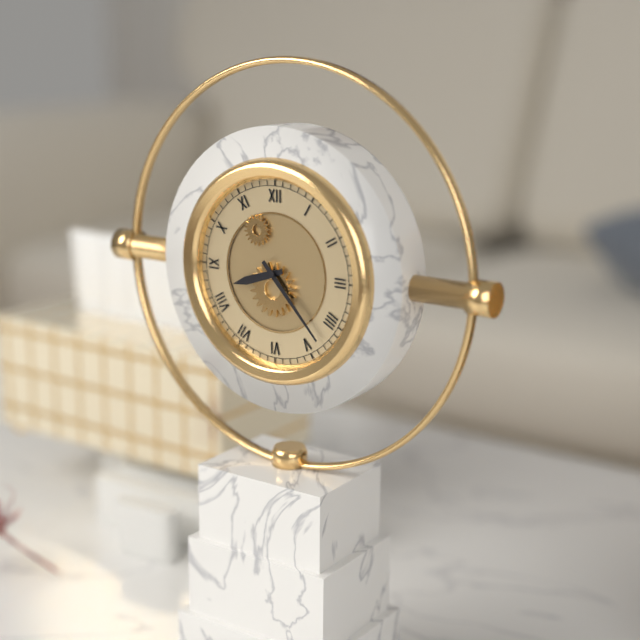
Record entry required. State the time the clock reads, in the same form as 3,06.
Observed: 8,23
